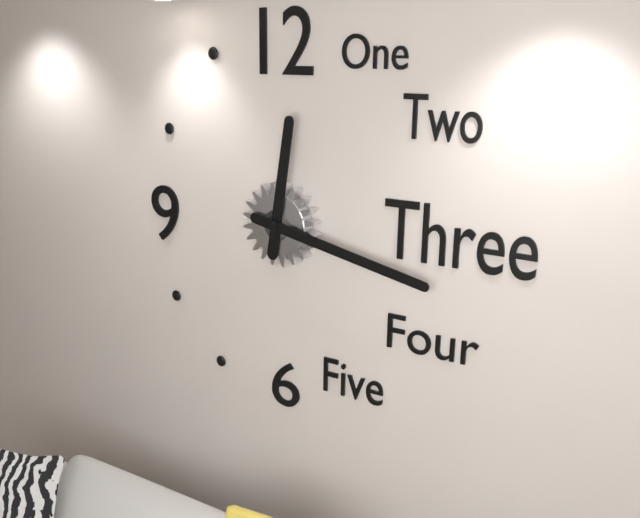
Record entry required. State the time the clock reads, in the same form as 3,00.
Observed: 12,17
